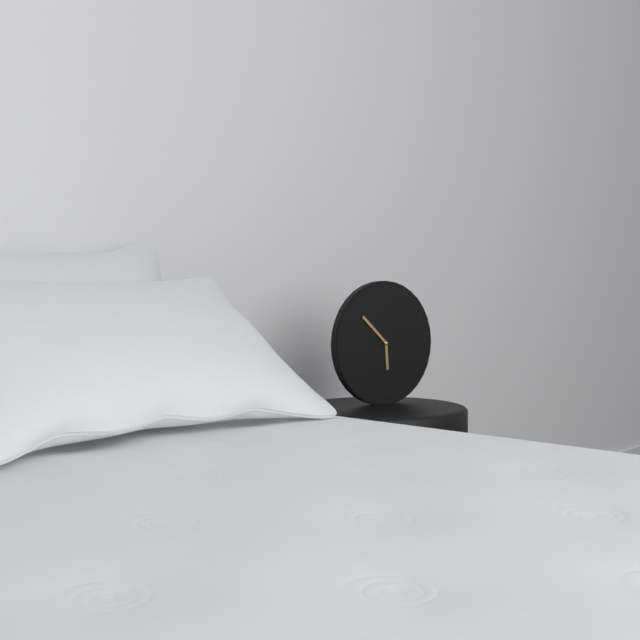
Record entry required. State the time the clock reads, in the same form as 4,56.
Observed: 5,52
